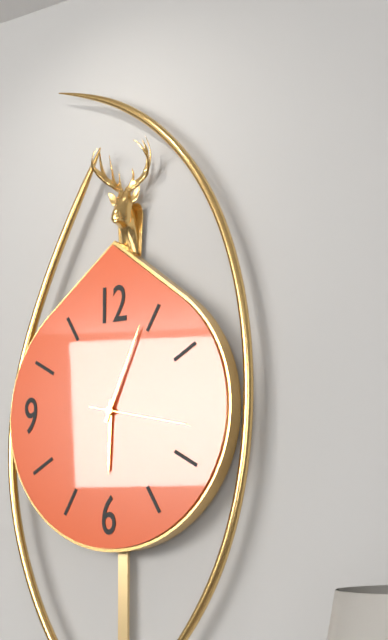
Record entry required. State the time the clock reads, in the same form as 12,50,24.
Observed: 6,04,17
